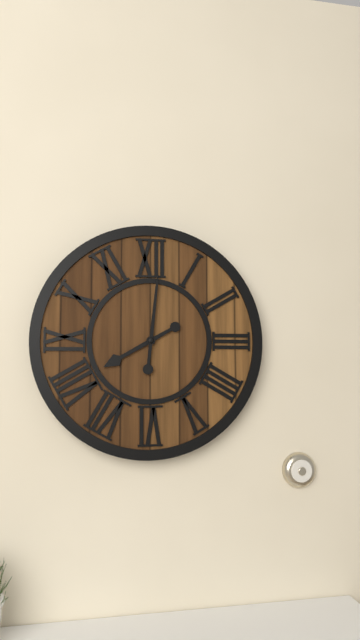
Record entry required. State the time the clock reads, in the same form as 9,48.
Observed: 8,01
